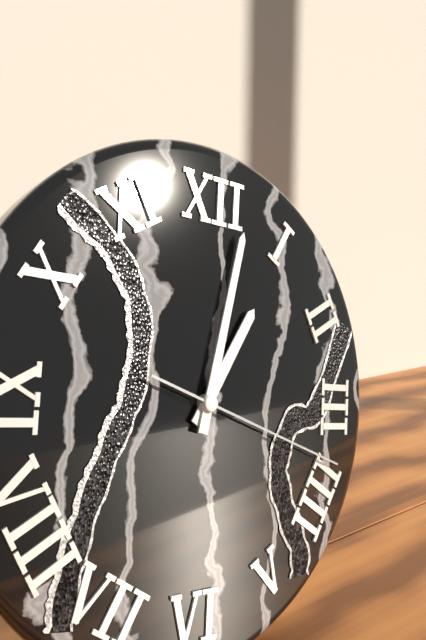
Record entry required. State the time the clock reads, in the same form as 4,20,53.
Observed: 1,02,18
